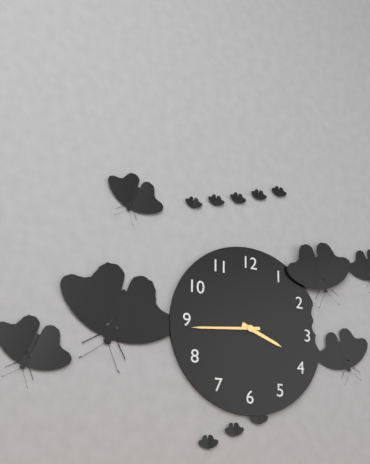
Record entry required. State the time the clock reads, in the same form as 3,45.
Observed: 3,44
